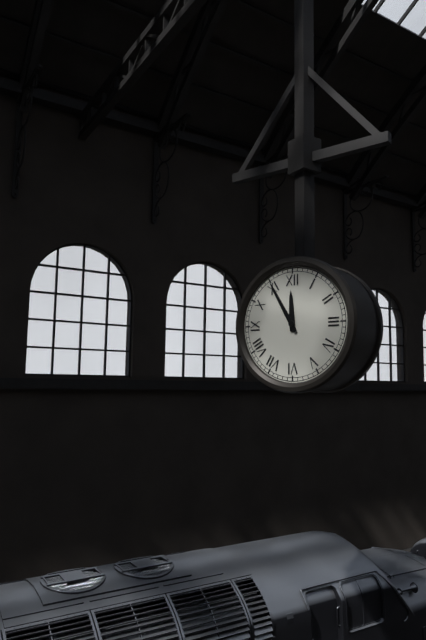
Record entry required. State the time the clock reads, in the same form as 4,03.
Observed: 11,55
